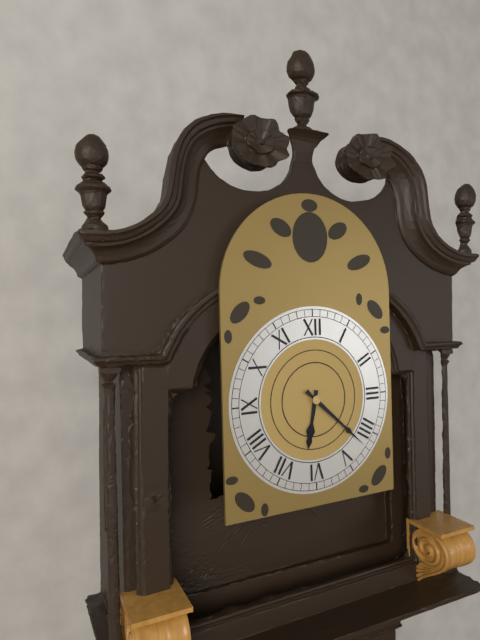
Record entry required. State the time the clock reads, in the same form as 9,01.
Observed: 6,22
